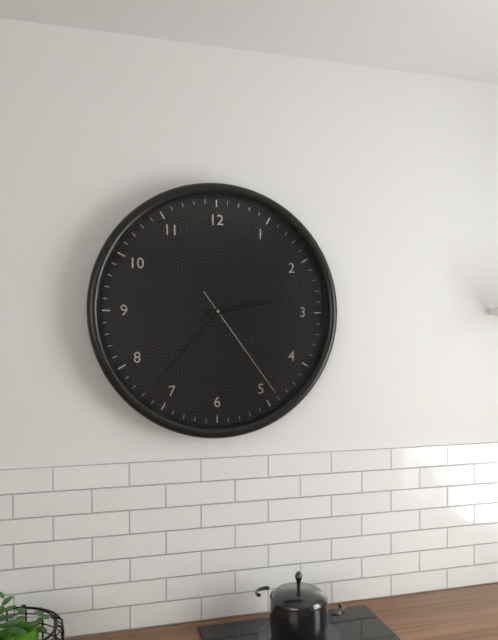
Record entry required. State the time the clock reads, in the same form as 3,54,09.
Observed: 2,37,24
